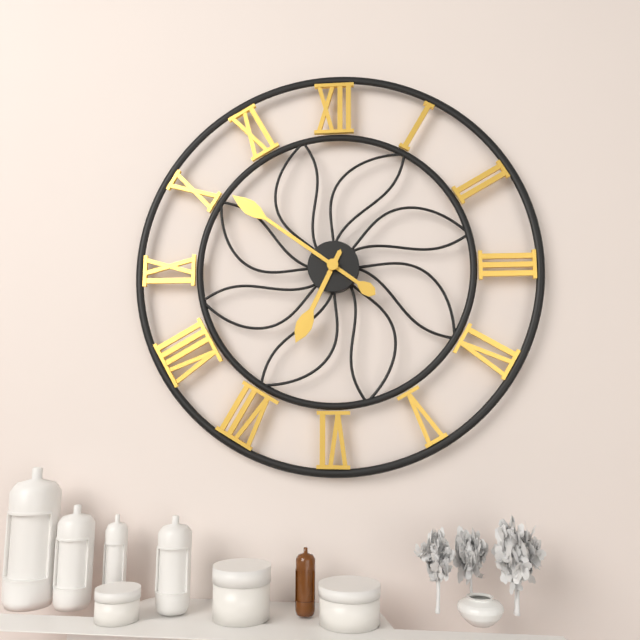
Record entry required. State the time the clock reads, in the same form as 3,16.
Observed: 6,51
